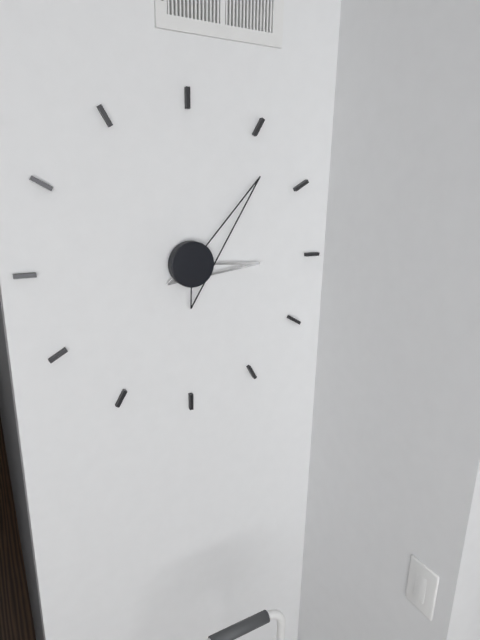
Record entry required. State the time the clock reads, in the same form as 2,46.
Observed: 3,07
